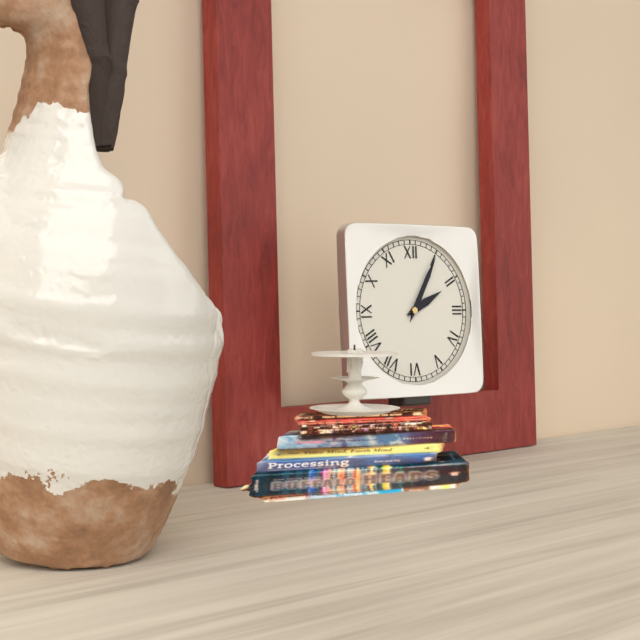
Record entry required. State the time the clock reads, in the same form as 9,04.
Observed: 2,05
